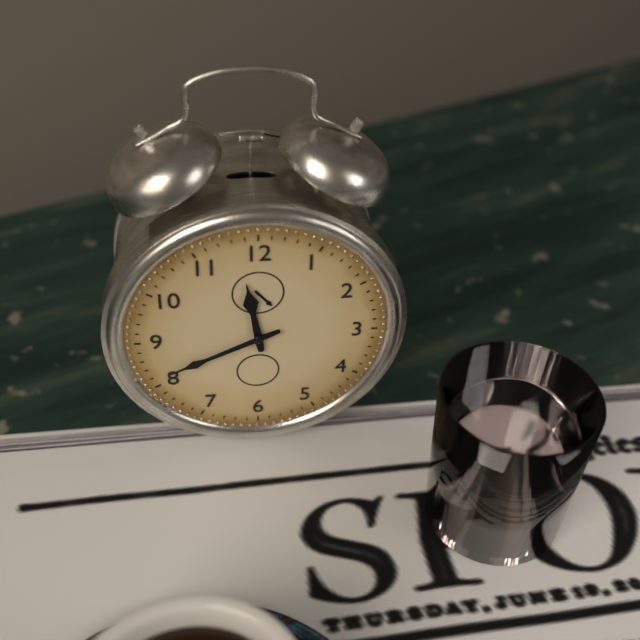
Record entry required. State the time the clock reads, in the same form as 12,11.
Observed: 11,41
